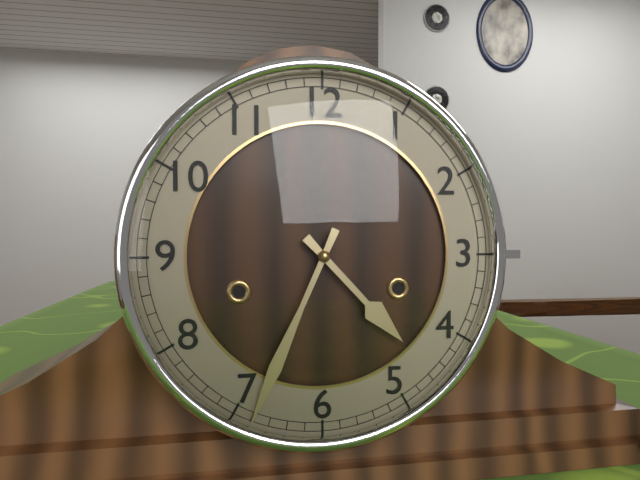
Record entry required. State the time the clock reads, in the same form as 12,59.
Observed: 4,34
